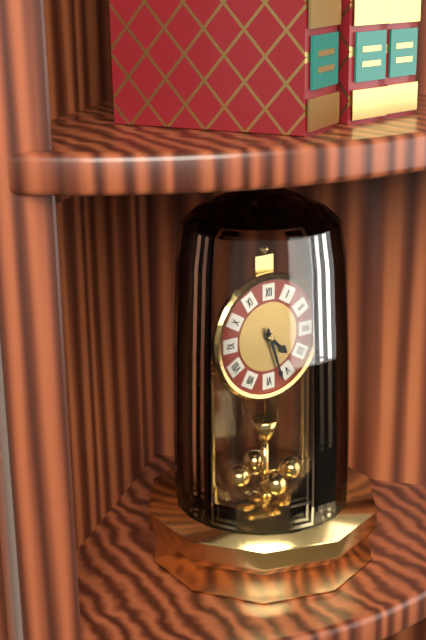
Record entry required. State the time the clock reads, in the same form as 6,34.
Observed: 4,27
